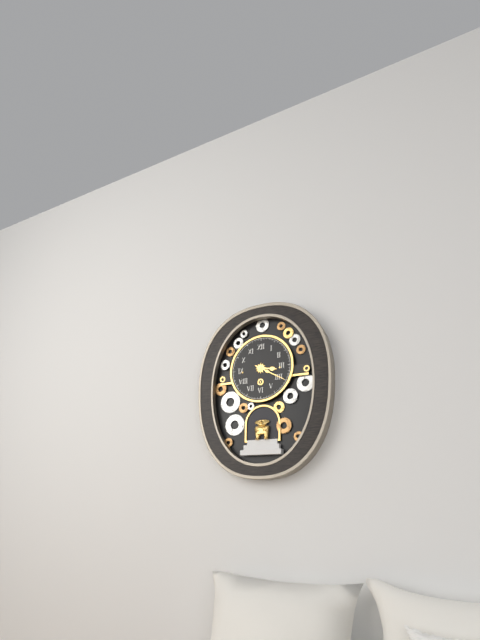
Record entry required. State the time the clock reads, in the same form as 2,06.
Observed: 3,20
